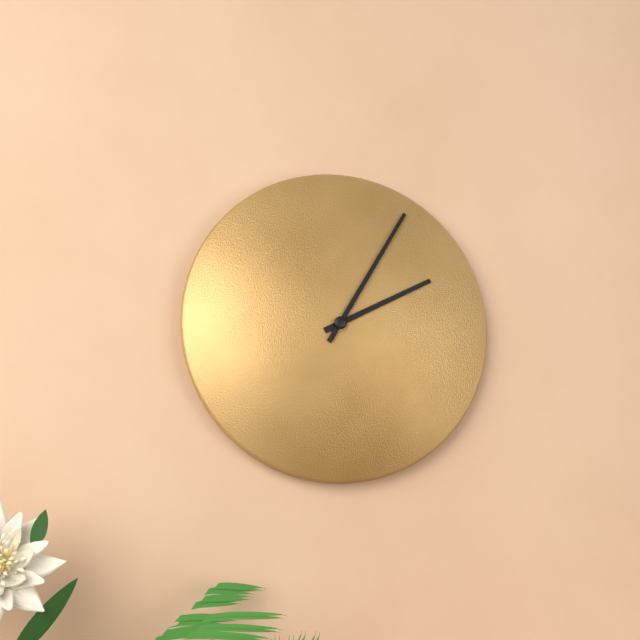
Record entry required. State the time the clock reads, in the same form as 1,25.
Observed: 2,05
